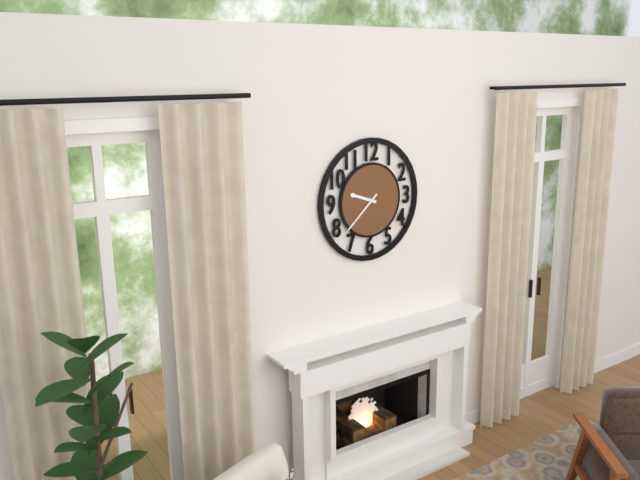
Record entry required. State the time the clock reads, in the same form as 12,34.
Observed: 9,38
